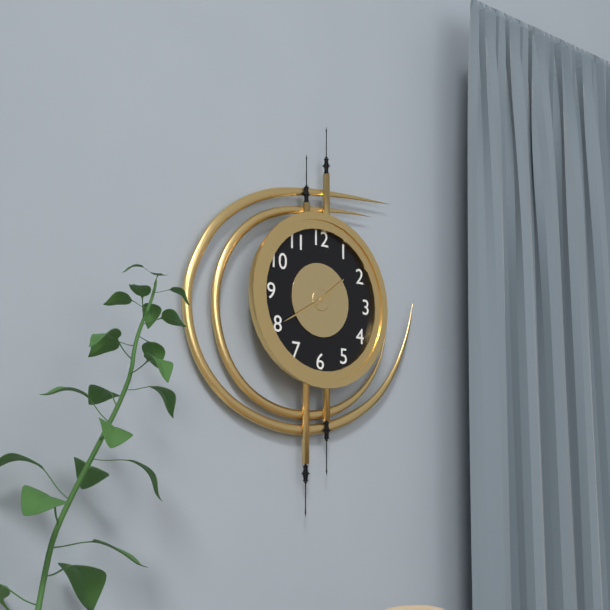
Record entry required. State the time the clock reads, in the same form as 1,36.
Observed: 1,40
